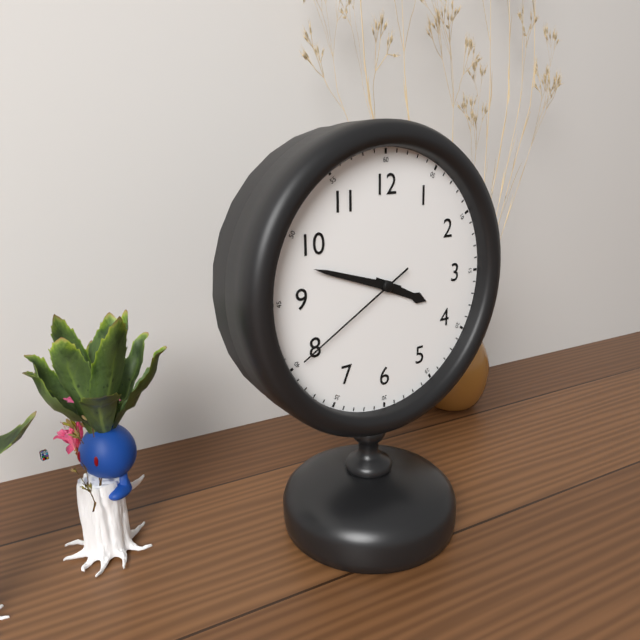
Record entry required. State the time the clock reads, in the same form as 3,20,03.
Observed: 3,48,40
